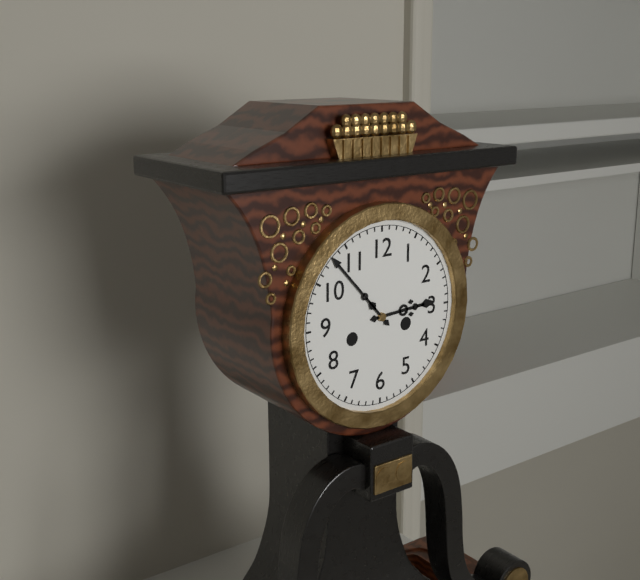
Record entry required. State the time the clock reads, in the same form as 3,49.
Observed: 2,53
